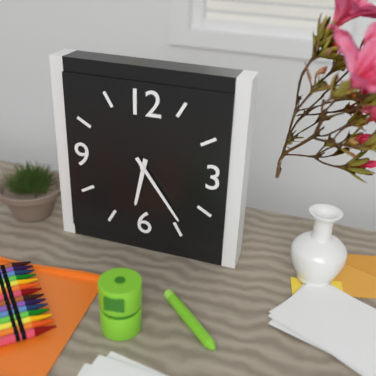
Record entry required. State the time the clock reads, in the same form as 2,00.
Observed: 6,24
